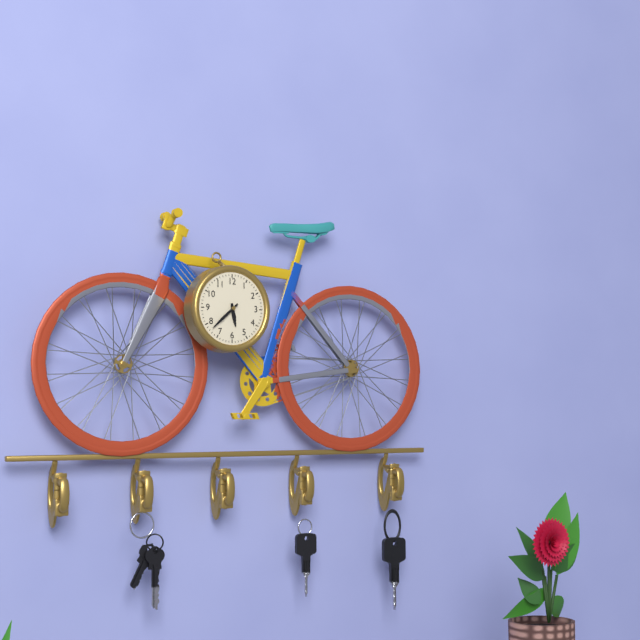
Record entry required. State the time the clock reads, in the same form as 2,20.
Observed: 5,38
